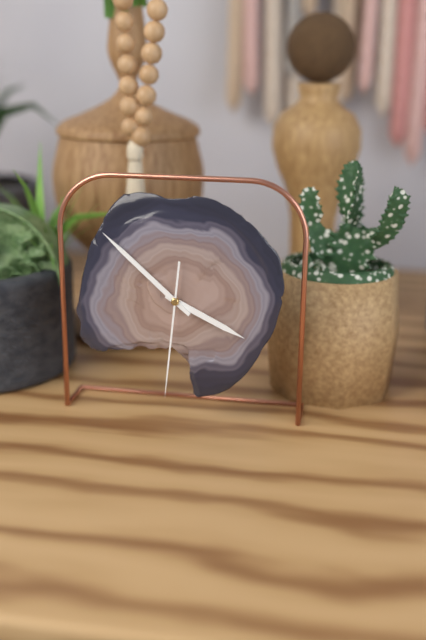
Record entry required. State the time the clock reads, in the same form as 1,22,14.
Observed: 3,52,31
